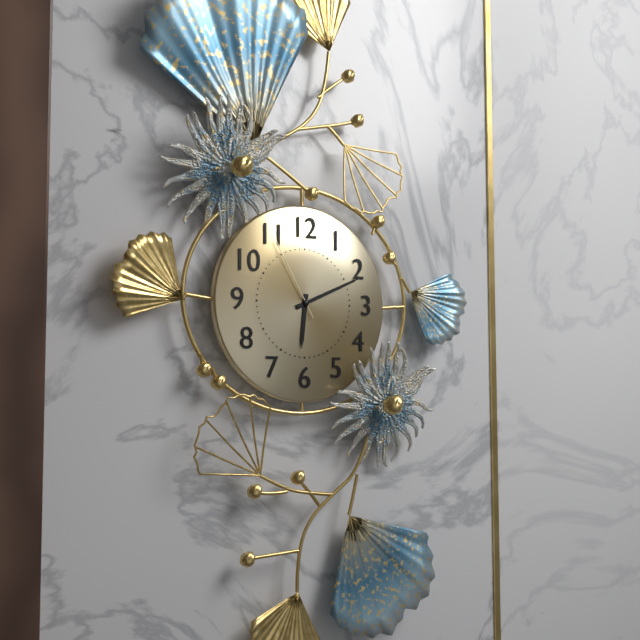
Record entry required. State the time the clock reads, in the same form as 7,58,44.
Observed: 6,11,55
